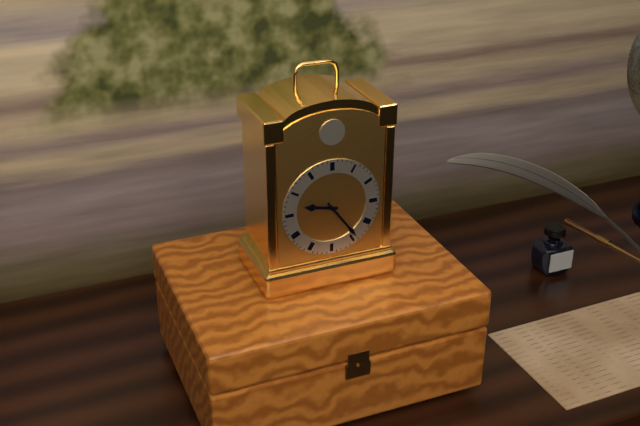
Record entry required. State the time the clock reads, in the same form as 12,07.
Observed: 9,24
